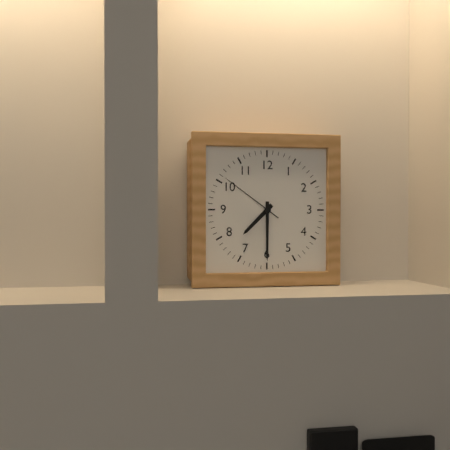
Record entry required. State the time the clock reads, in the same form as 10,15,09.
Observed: 7,30,51
